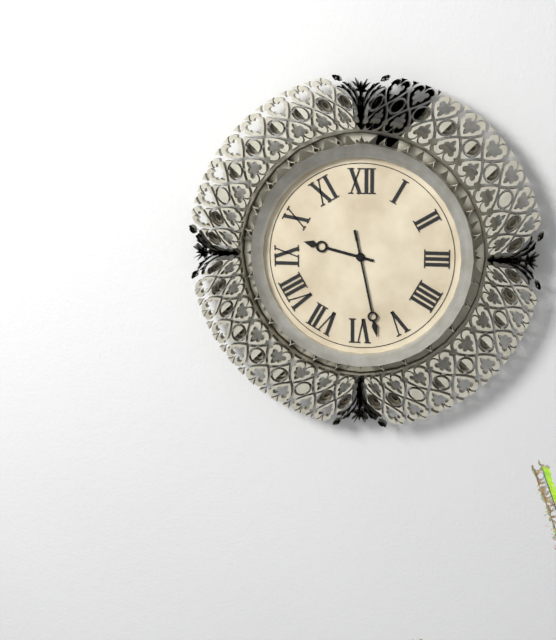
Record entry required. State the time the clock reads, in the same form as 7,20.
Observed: 9,28
